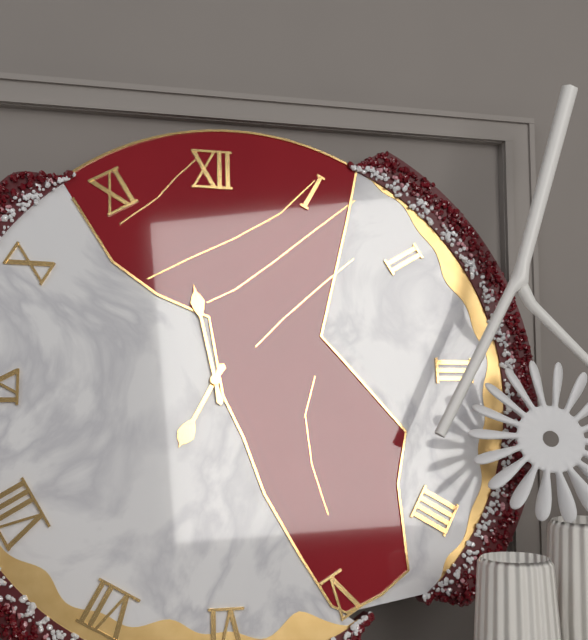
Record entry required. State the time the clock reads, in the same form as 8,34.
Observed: 6,58
